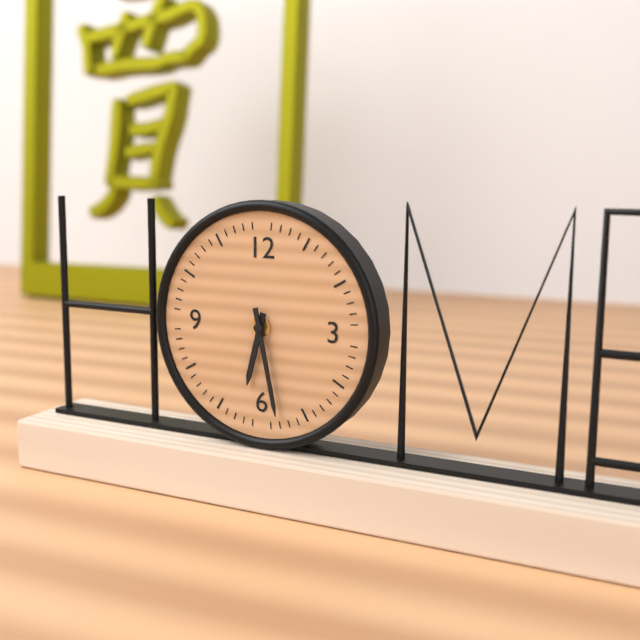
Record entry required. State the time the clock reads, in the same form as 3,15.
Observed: 6,28
